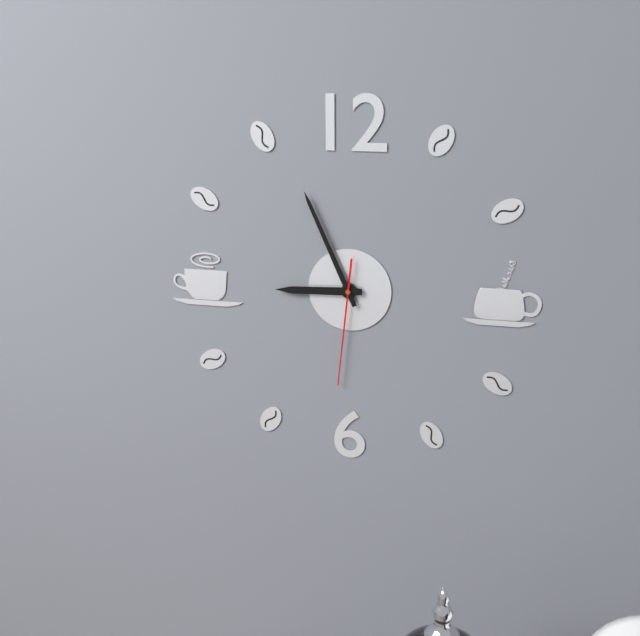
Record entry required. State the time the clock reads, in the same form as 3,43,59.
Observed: 8,56,31
